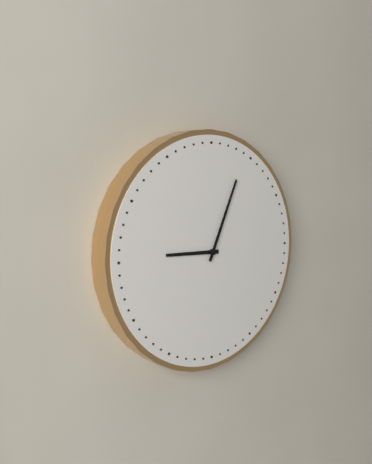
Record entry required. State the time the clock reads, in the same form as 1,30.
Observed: 9,04
